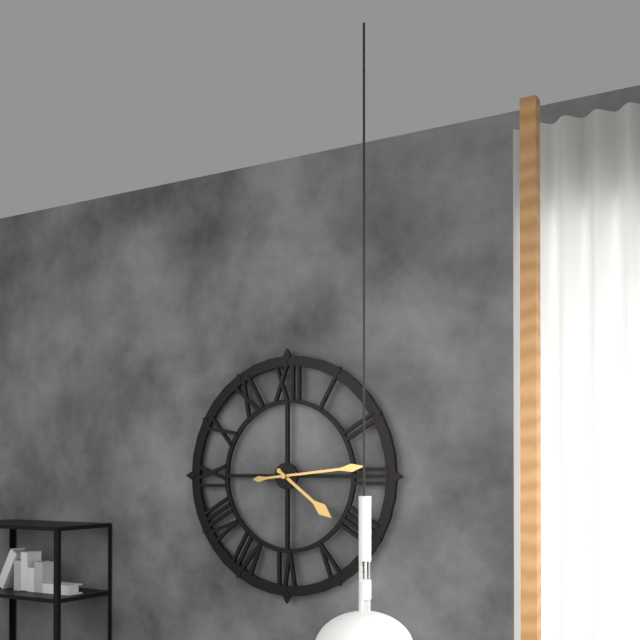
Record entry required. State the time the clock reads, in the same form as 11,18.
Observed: 4,14
